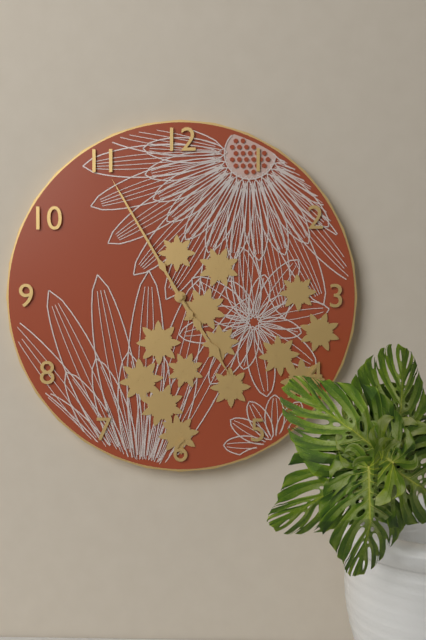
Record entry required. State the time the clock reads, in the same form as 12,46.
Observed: 4,55
